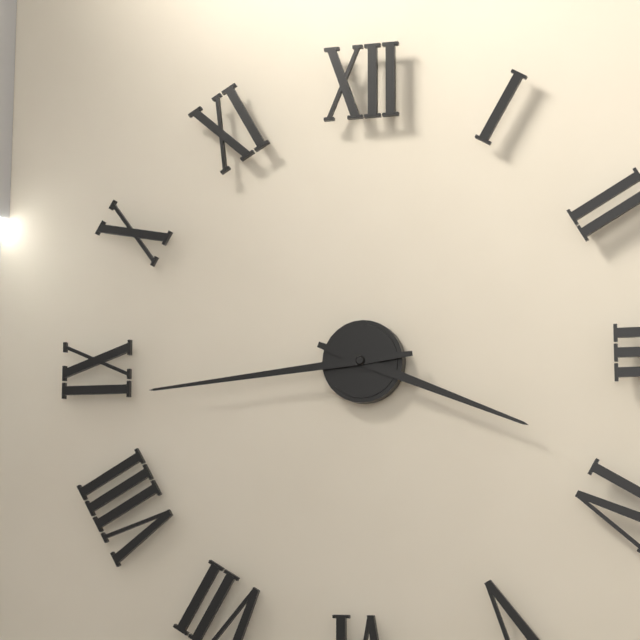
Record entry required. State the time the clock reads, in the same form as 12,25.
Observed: 3,44
